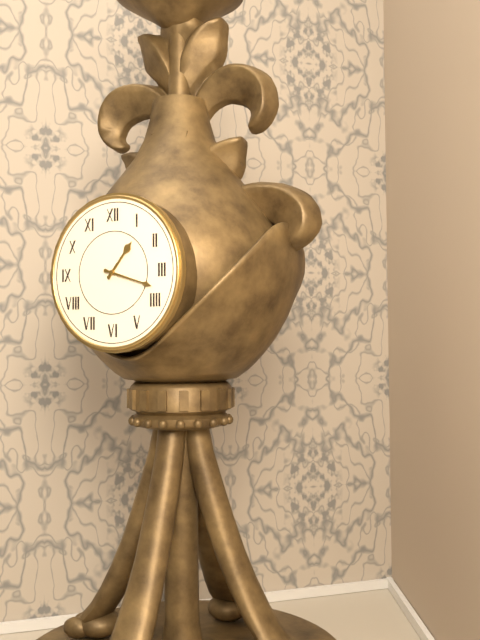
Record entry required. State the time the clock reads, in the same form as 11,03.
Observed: 1,18
